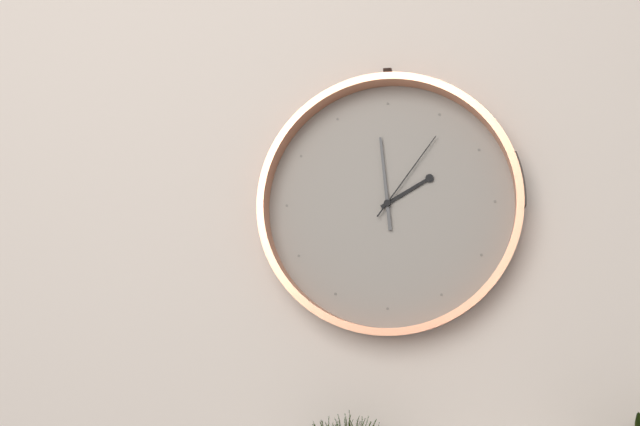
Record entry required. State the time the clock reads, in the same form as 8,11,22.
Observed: 1,59,06
